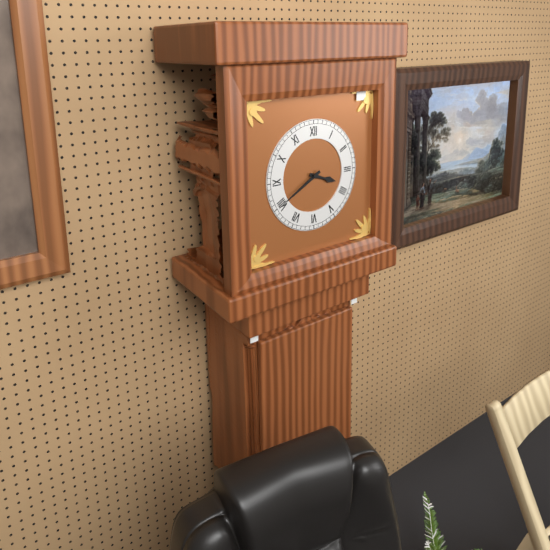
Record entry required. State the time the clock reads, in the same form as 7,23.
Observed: 3,40
